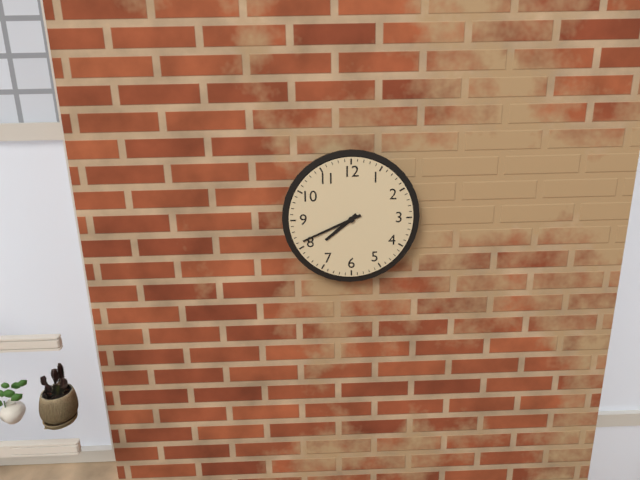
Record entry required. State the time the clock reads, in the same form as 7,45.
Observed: 7,41
